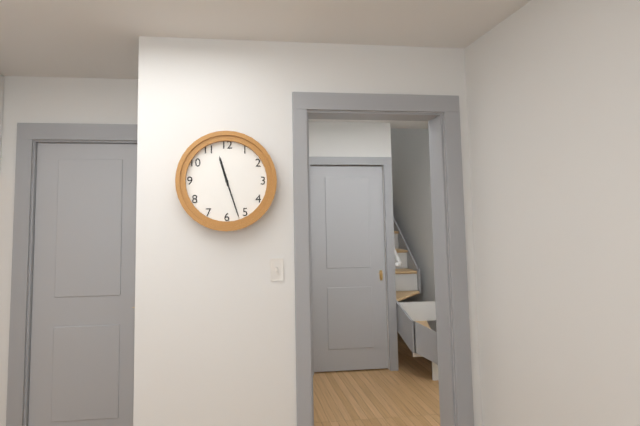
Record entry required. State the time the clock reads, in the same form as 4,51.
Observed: 11,27
